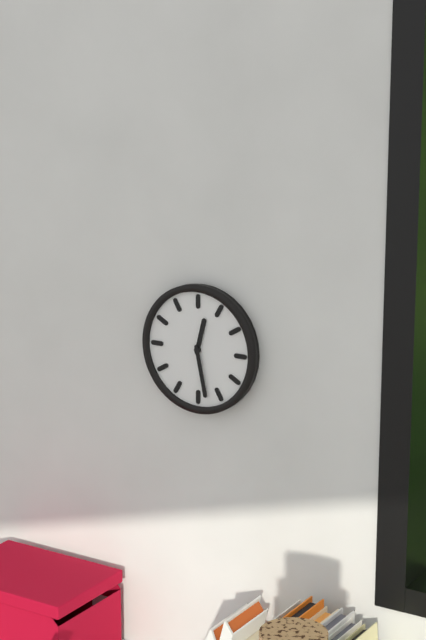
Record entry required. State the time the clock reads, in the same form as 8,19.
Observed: 12,28
